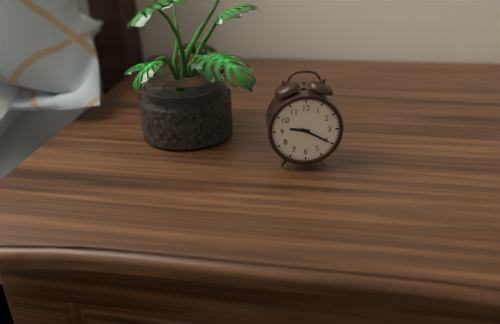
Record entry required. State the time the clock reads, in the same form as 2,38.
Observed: 9,20
